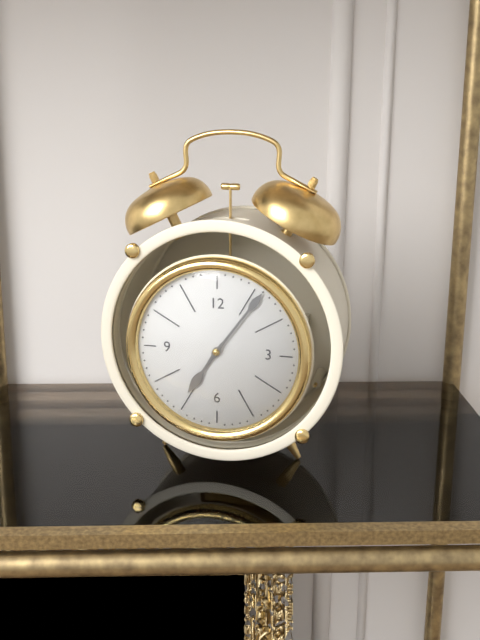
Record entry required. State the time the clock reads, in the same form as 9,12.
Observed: 7,06
